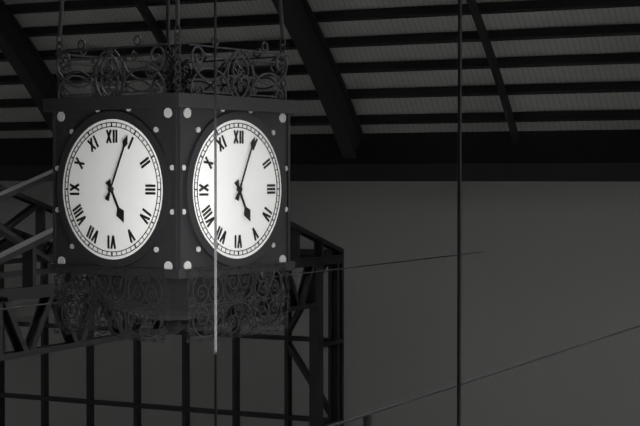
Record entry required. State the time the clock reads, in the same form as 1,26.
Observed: 5,04
